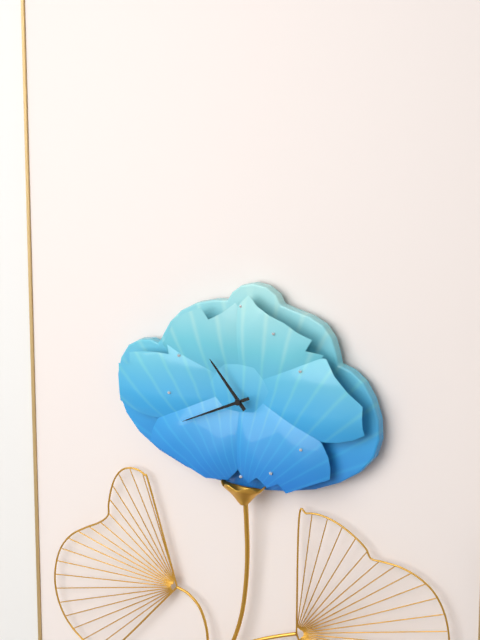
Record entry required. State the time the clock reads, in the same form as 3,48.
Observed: 10,41
